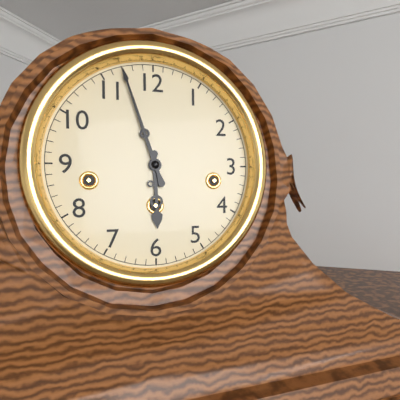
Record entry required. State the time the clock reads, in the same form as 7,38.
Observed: 5,57
